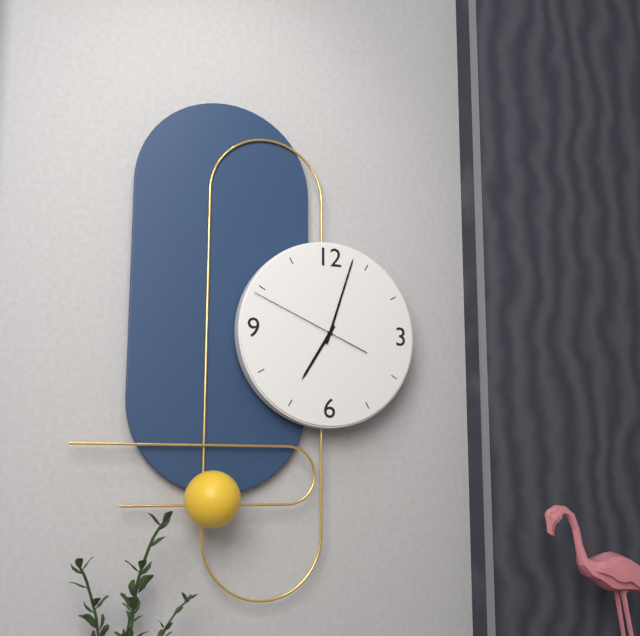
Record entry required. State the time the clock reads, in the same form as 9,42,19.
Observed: 7,03,49
